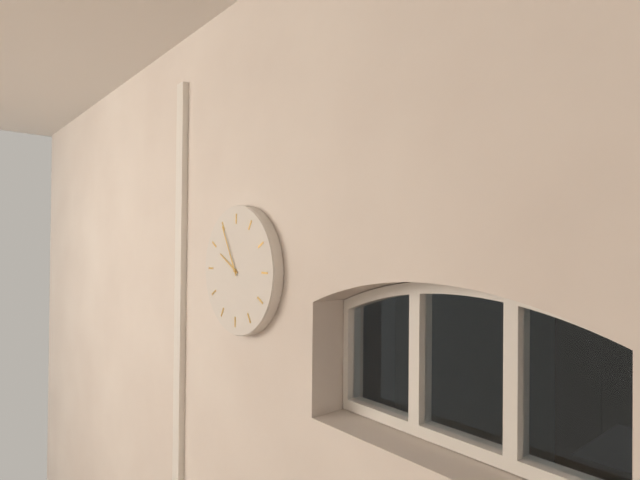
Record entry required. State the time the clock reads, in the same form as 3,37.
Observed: 9,55
